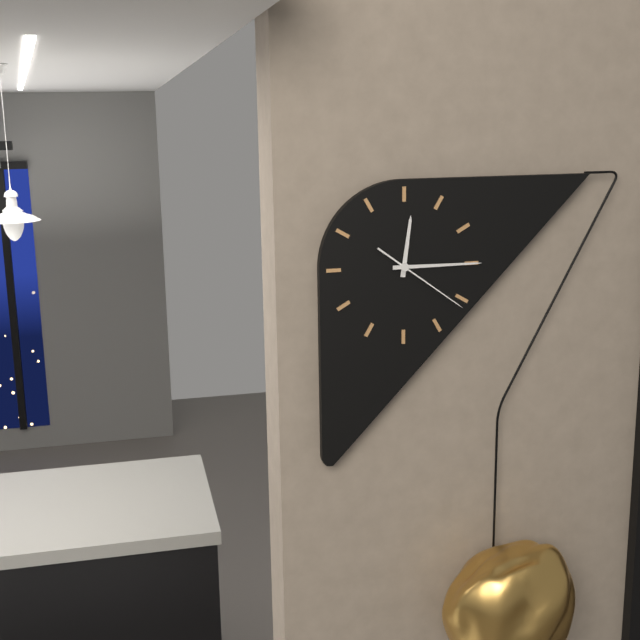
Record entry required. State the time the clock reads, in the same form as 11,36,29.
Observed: 12,15,21
